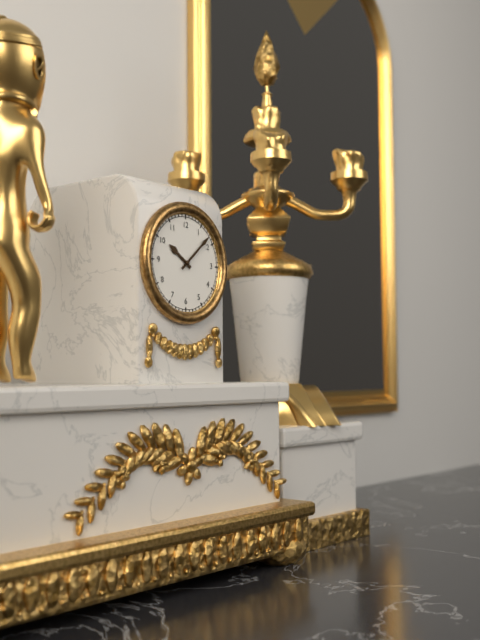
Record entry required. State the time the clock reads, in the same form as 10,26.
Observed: 10,08
